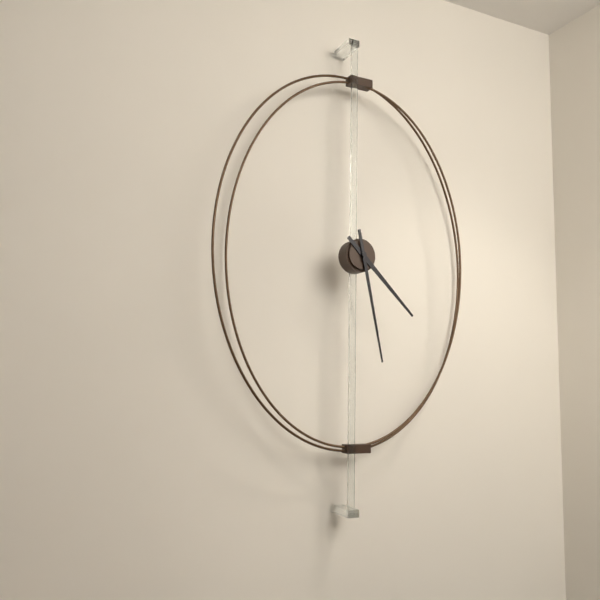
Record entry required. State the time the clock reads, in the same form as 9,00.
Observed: 4,28
